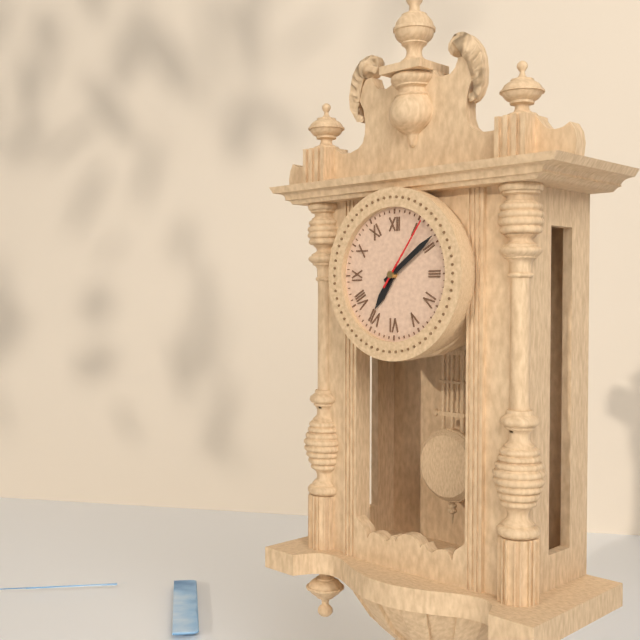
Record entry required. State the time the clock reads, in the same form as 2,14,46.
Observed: 7,09,06
